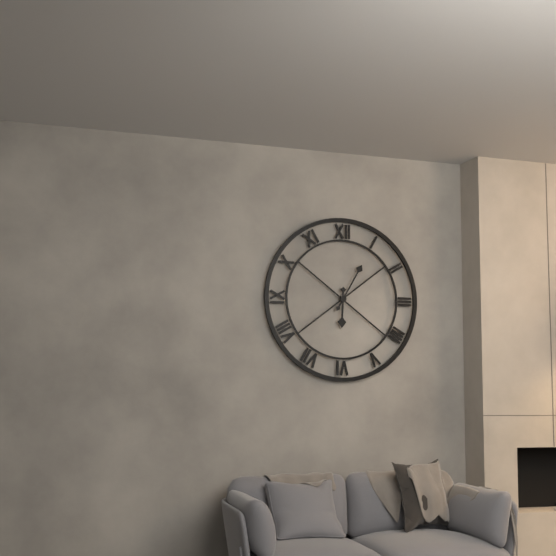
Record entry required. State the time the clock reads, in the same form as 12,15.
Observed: 6,05
